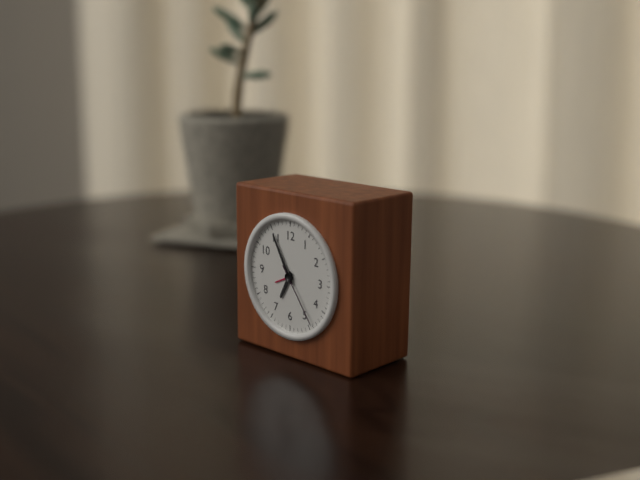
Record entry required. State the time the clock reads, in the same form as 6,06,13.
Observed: 6,55,24
